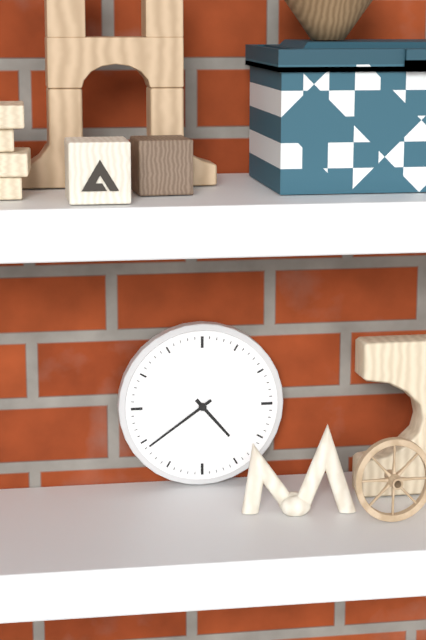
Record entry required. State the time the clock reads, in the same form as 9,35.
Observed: 4,39
